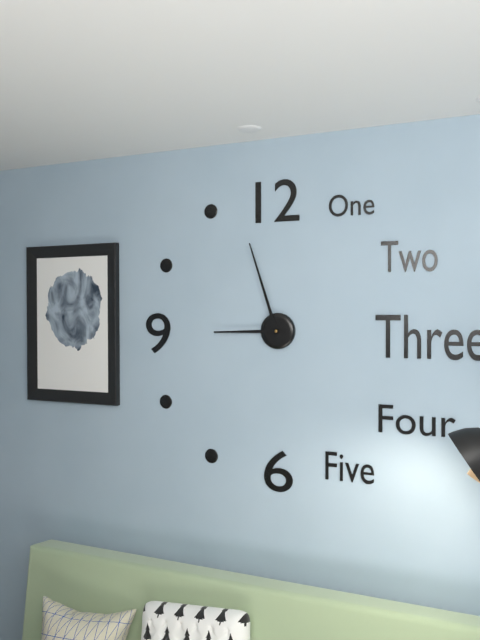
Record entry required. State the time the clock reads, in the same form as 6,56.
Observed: 8,57
